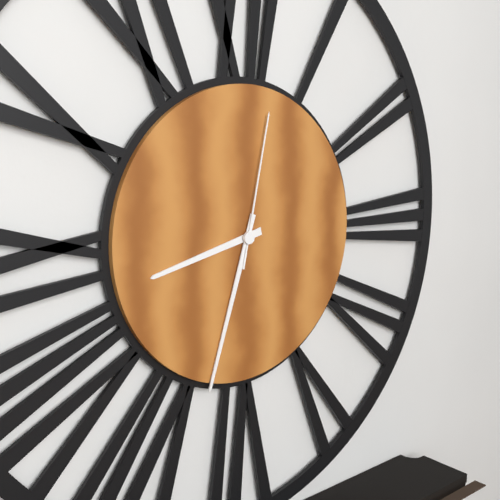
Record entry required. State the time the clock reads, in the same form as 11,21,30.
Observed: 8,33,02
